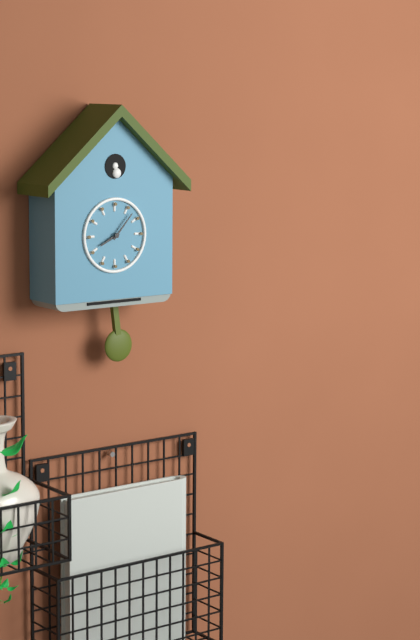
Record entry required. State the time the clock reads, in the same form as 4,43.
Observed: 8,07
